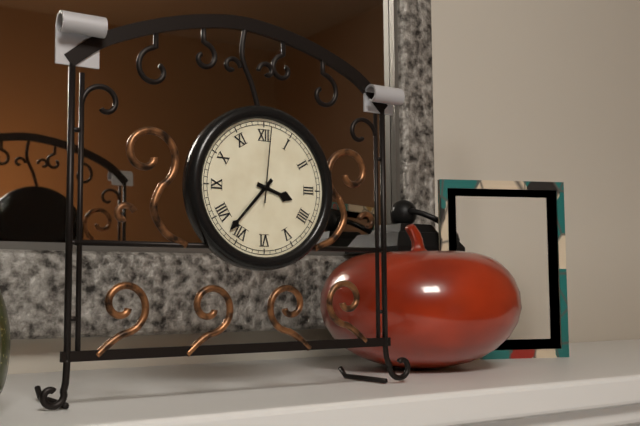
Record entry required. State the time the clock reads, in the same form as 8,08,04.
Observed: 3,37,01
